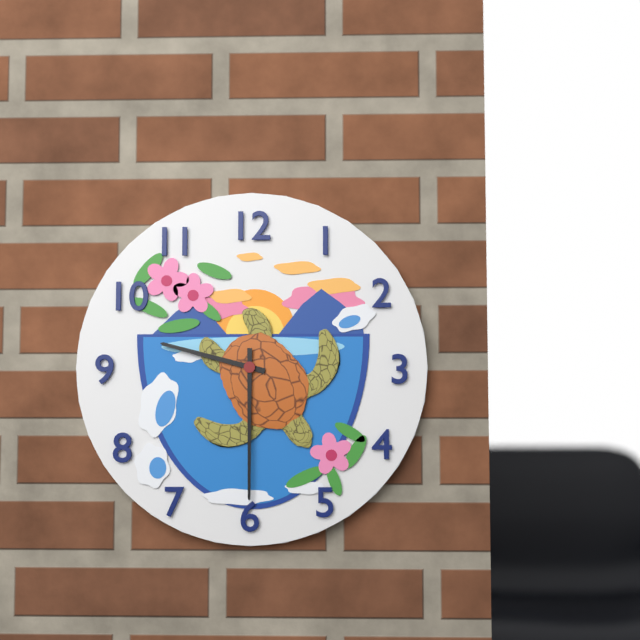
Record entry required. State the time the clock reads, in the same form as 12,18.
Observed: 9,30
